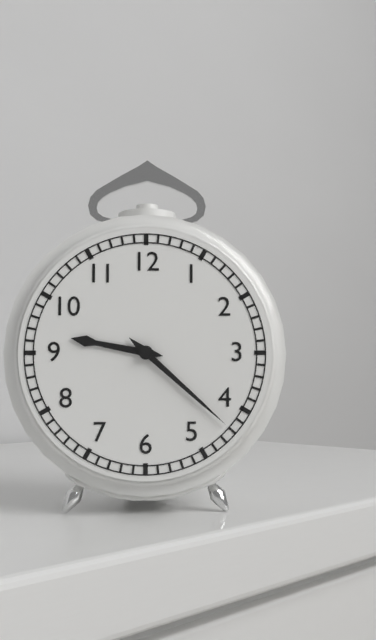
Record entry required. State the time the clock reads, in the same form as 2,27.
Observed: 9,22
